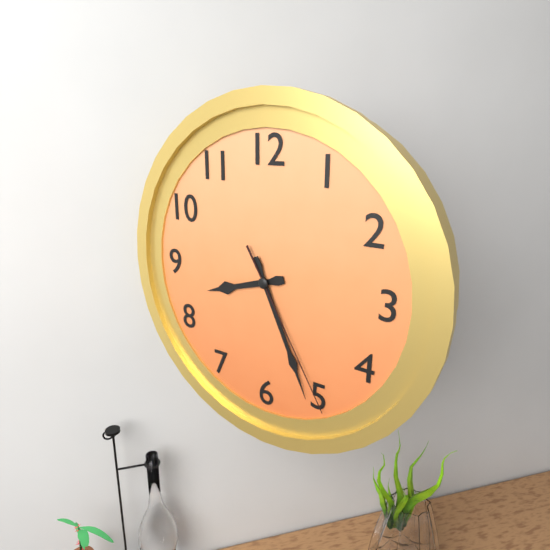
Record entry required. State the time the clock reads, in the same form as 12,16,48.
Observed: 8,26,25
